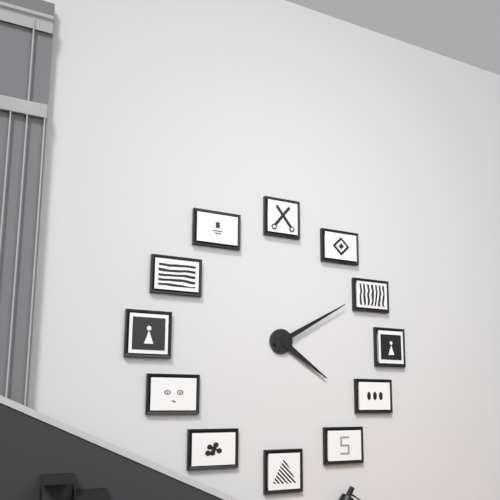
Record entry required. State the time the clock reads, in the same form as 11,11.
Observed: 4,10
